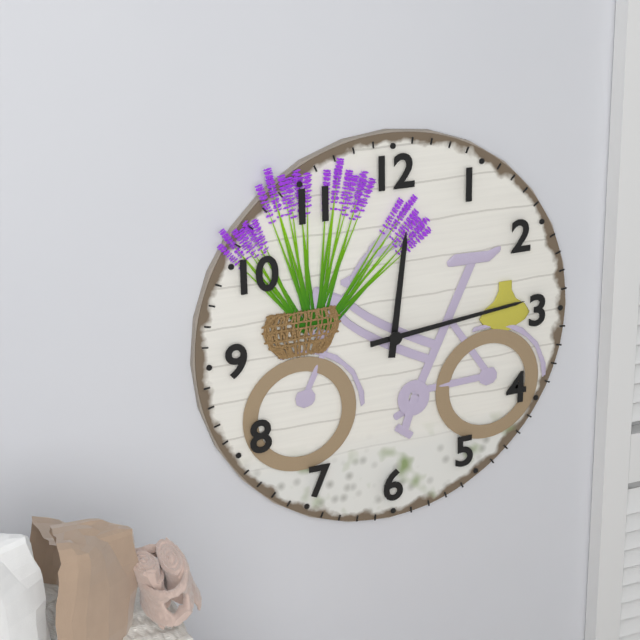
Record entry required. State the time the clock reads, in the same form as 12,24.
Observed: 12,14
